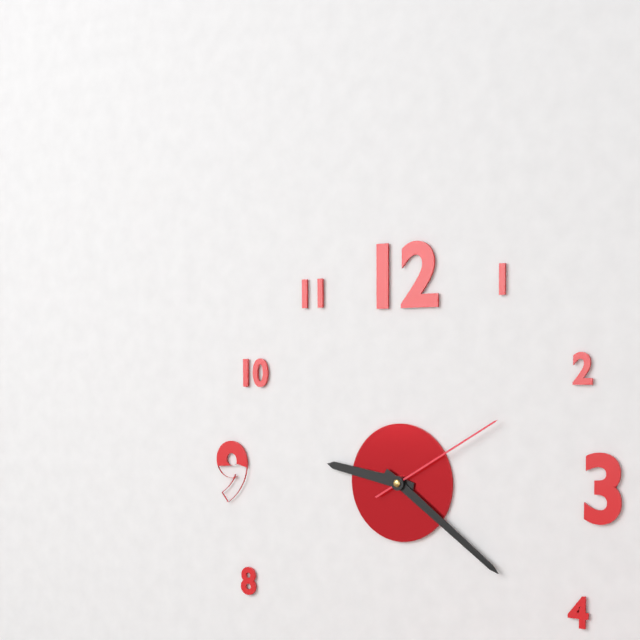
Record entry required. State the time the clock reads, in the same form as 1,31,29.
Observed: 9,21,10
